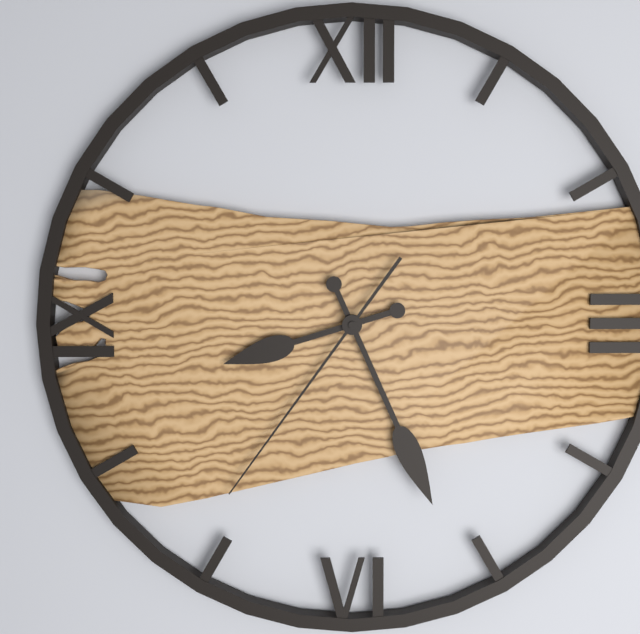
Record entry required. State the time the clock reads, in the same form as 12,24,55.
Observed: 8,26,36
